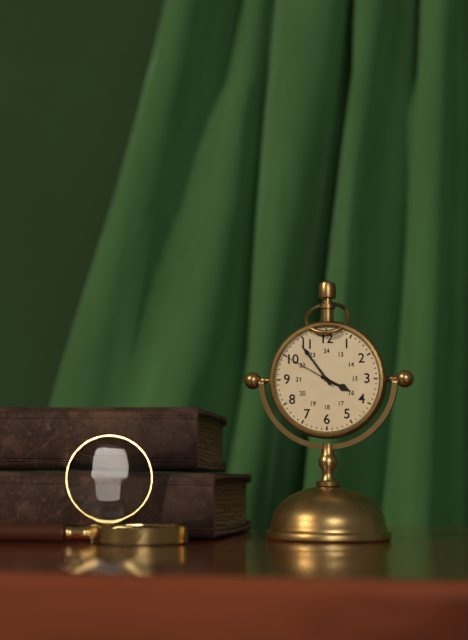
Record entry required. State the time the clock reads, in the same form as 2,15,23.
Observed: 3,54,50
